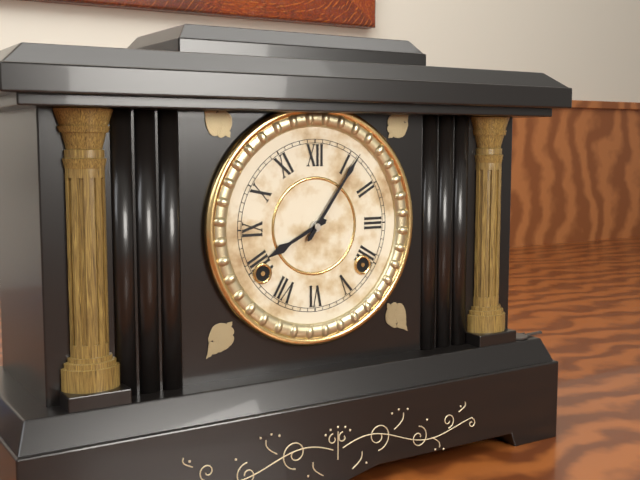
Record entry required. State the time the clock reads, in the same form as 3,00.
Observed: 8,06
